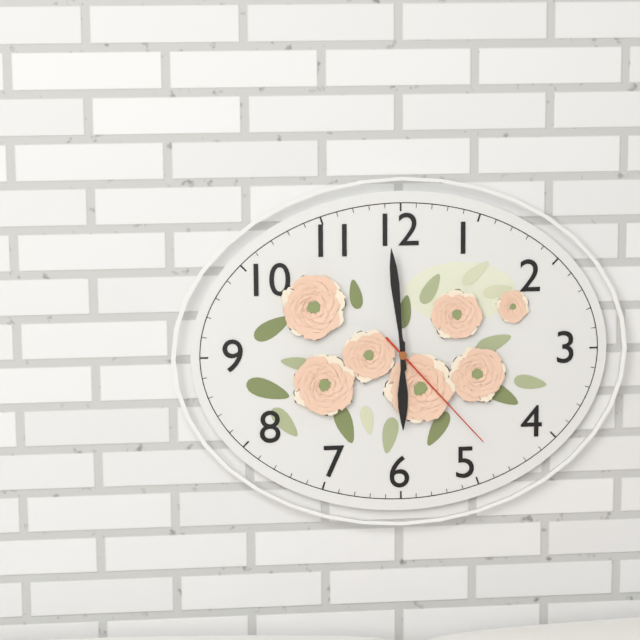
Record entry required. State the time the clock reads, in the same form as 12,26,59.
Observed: 5,59,23
